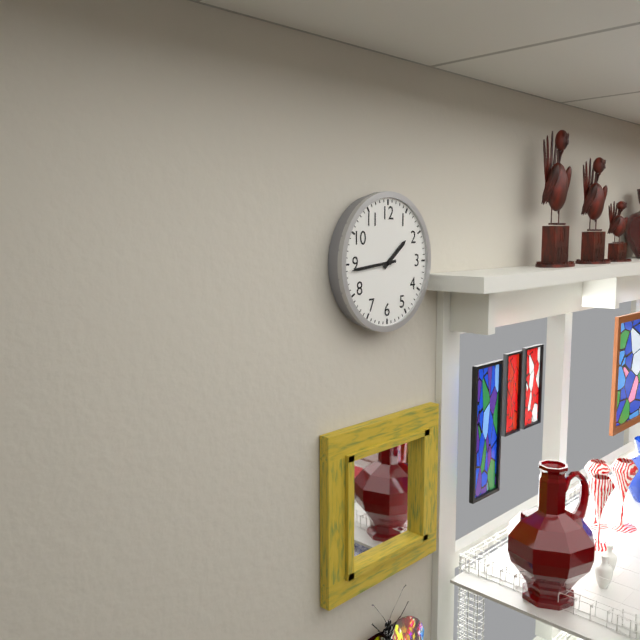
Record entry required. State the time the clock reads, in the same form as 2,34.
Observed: 1,44
